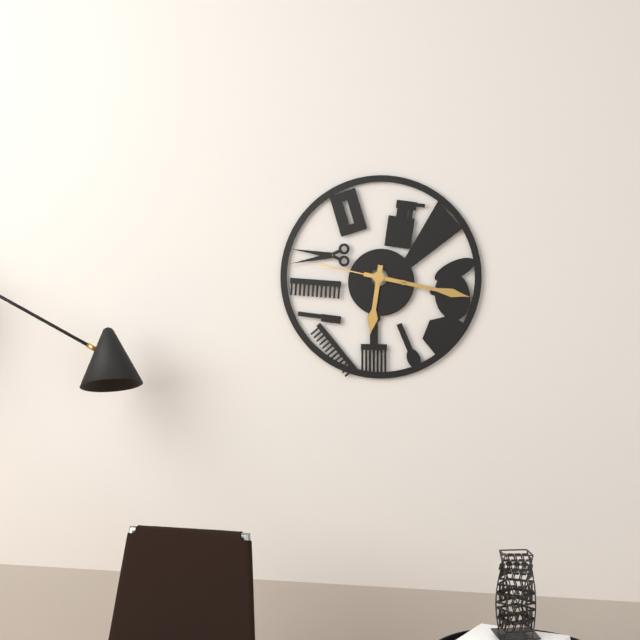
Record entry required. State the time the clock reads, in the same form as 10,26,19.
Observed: 6,17,47
